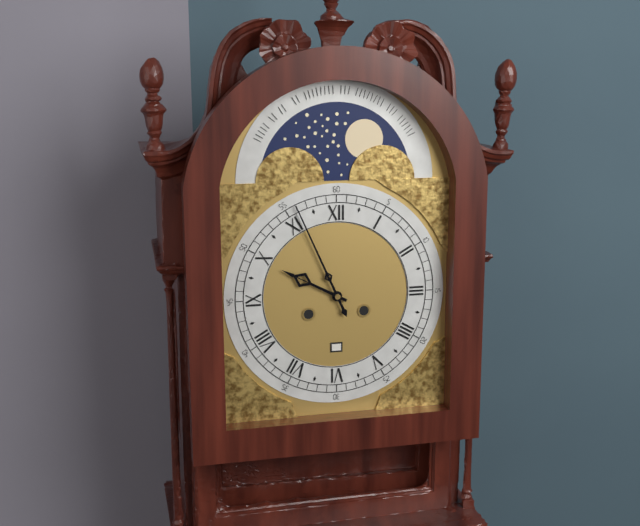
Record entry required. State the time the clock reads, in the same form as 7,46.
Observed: 9,56
